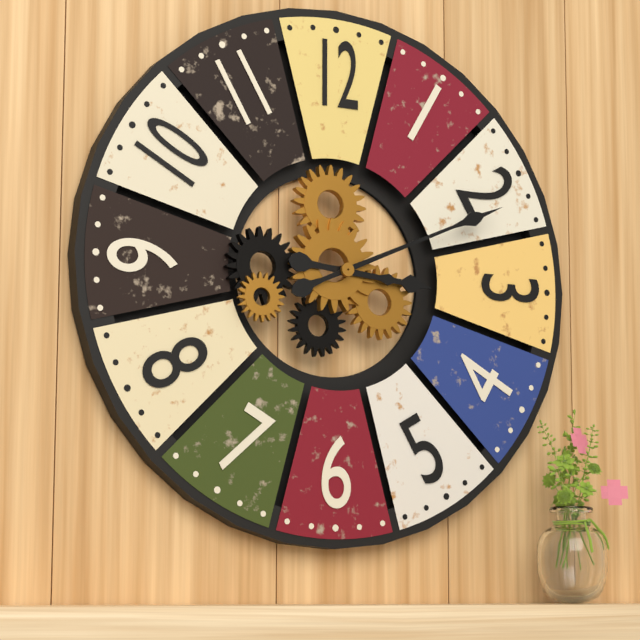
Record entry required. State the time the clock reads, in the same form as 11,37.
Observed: 3,11
